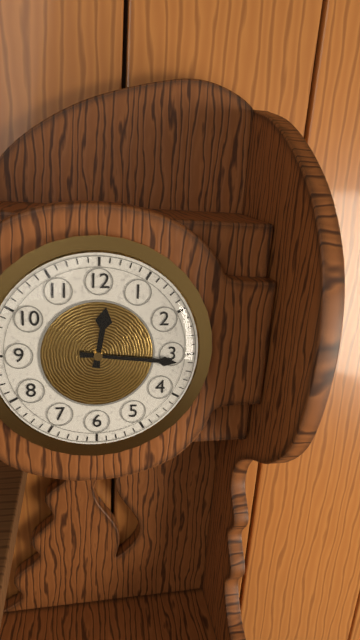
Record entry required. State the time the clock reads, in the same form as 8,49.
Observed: 12,16
